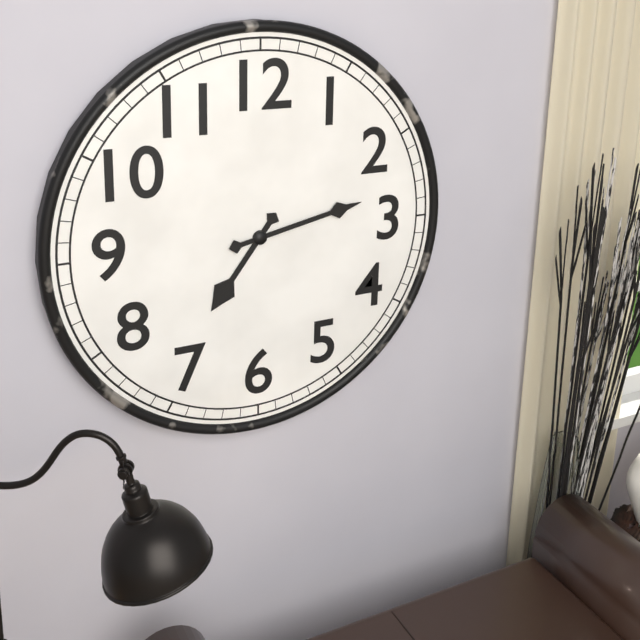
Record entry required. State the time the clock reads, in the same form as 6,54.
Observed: 7,13
